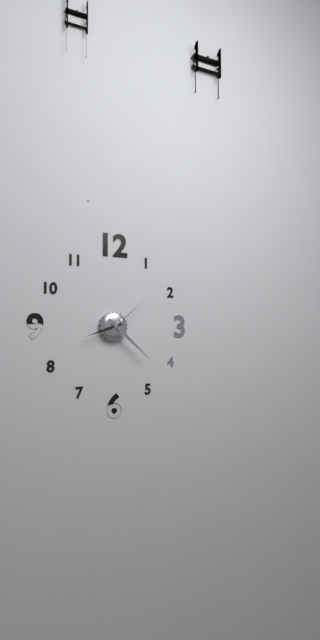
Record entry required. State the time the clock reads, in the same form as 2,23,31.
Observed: 8,22,08
